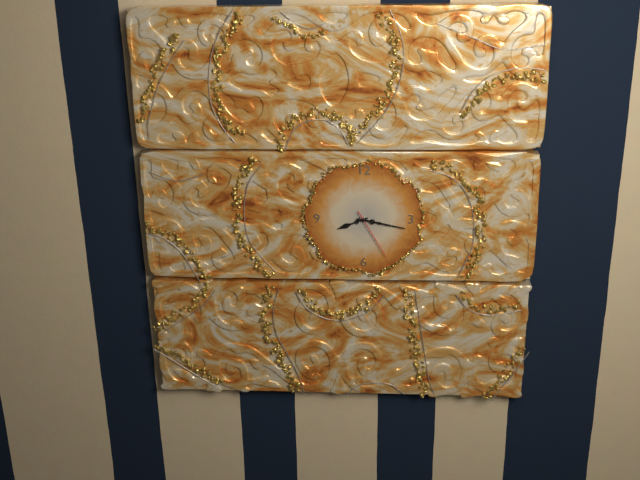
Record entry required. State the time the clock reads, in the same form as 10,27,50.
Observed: 8,17,25
